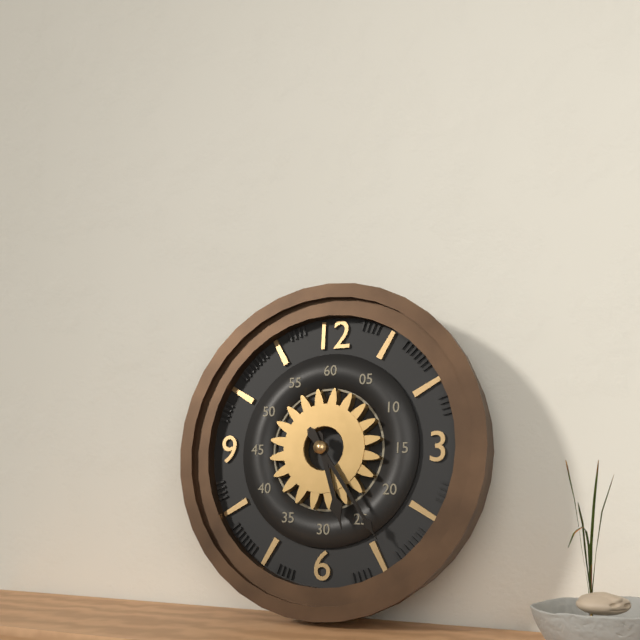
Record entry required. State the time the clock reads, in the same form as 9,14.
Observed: 5,24
